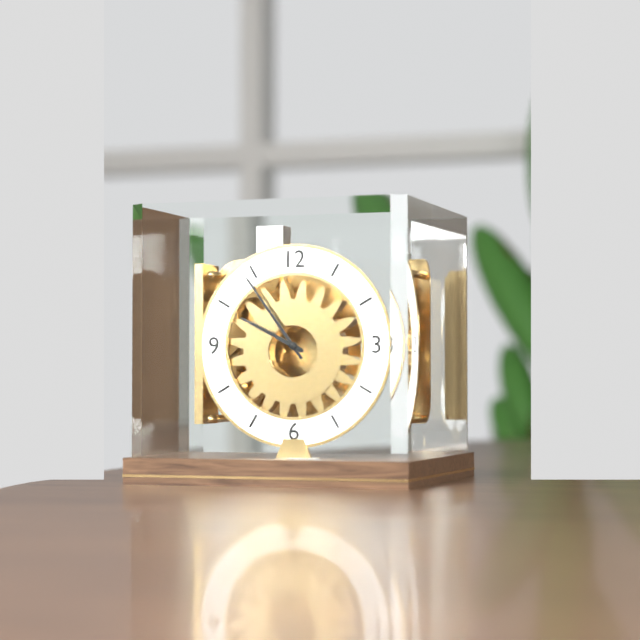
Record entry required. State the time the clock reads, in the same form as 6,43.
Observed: 9,54
